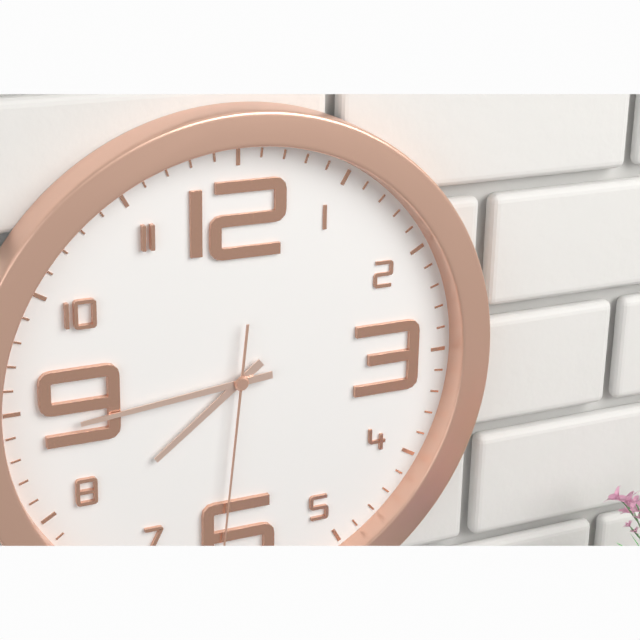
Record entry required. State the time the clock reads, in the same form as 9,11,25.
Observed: 7,44,31
